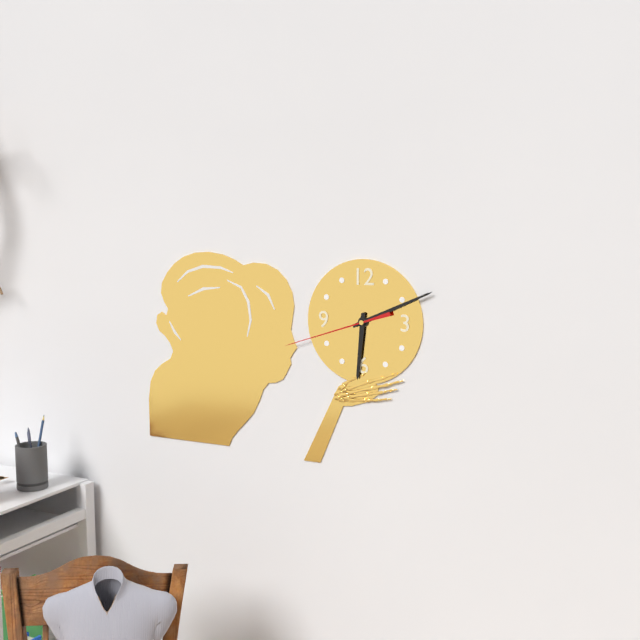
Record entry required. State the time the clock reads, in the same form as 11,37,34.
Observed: 6,11,42
